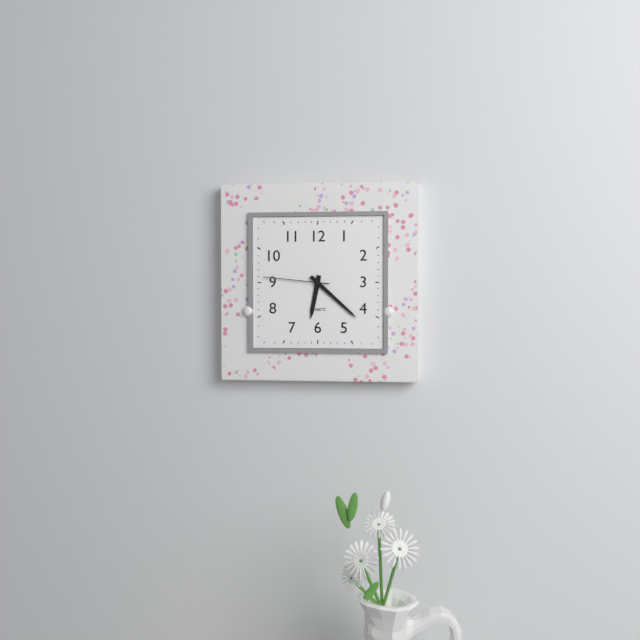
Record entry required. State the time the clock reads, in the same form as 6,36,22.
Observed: 6,22,46
